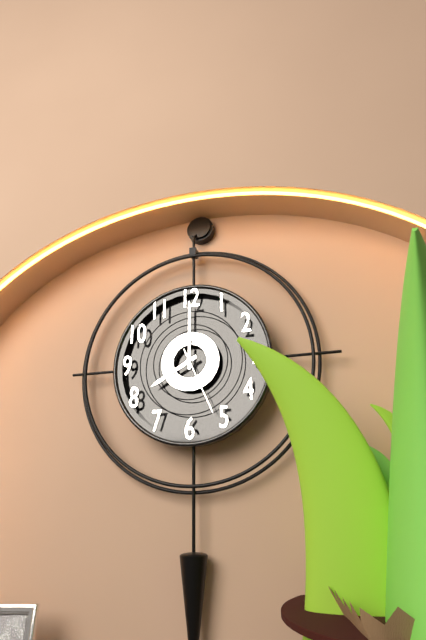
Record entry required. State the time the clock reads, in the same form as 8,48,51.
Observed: 8,00,26
